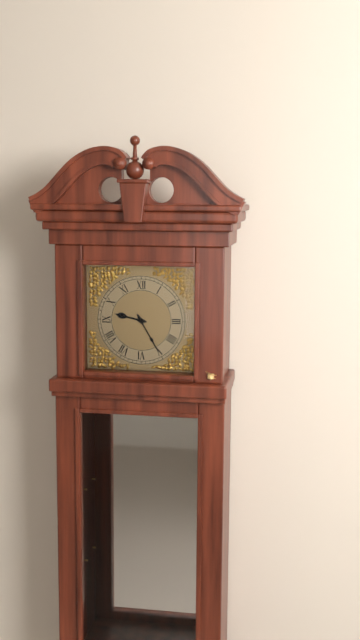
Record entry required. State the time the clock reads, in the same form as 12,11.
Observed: 9,25
